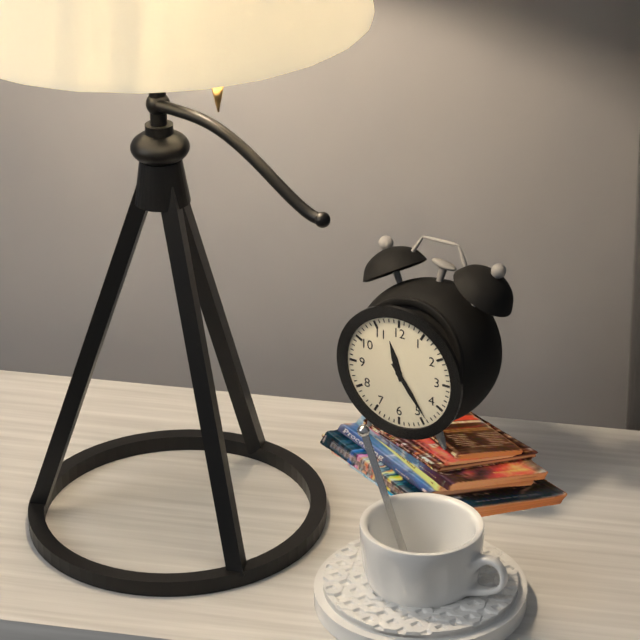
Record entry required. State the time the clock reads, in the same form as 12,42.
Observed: 11,24
